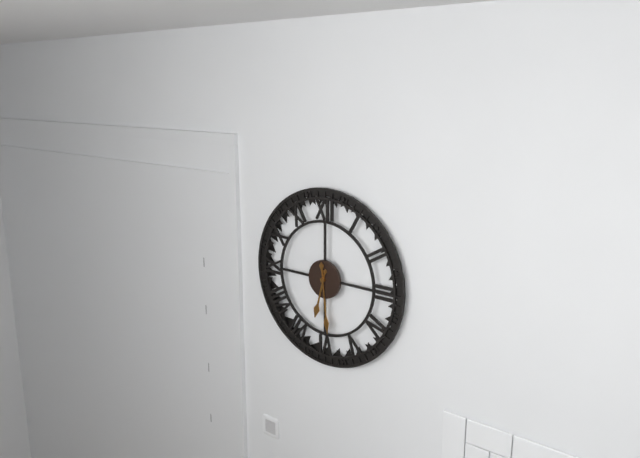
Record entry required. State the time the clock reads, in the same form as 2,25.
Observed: 6,29
